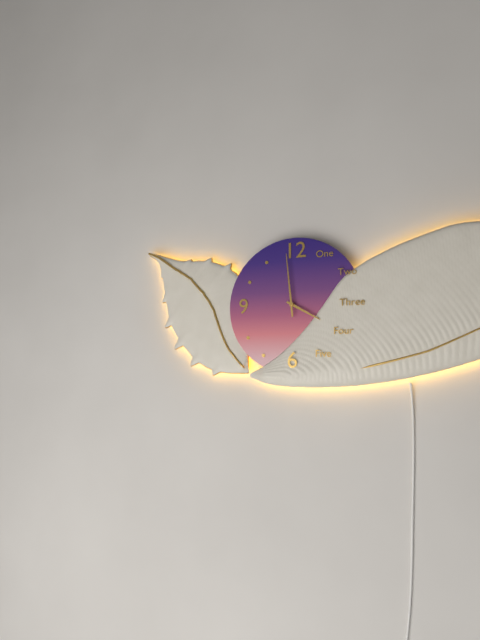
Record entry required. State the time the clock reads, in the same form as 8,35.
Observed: 3,59
